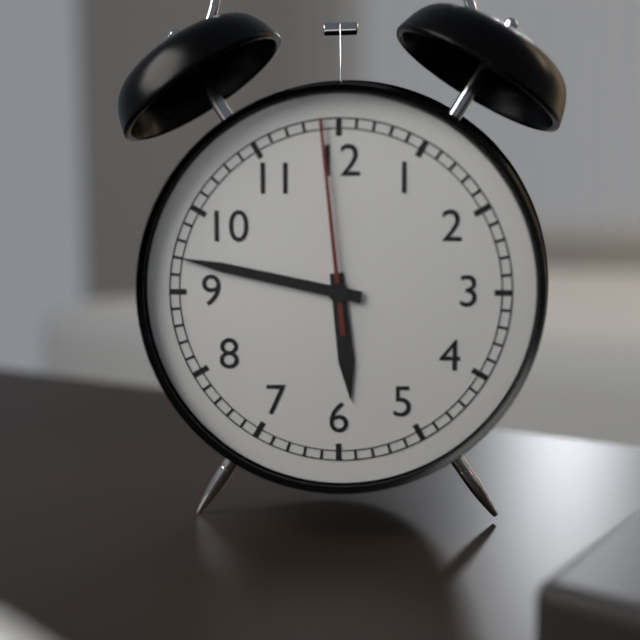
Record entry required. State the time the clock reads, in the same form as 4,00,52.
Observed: 5,47,59
